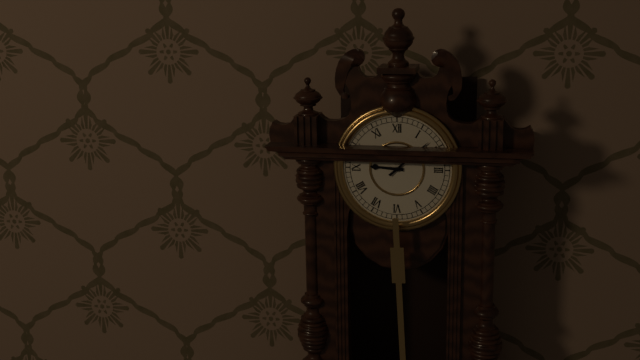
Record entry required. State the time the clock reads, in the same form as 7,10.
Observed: 9,08
